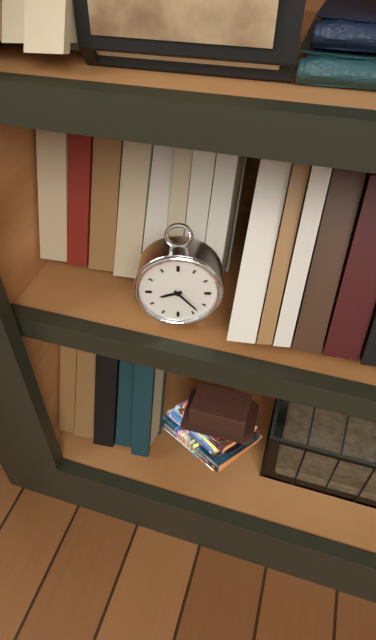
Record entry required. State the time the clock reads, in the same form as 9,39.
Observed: 8,23
